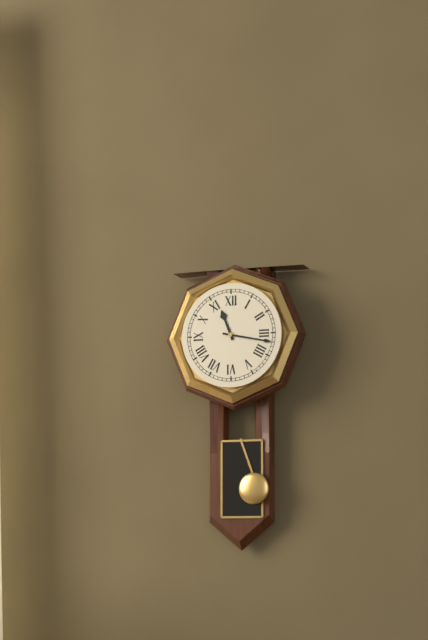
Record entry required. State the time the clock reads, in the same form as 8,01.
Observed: 11,17
